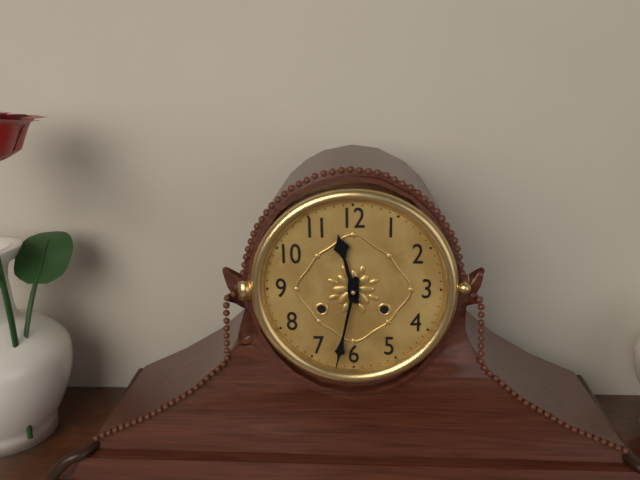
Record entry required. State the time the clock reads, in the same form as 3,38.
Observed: 11,32
